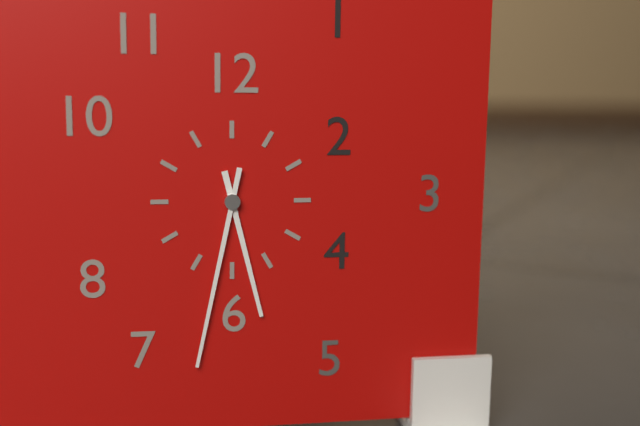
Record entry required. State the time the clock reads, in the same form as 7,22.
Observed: 5,32
